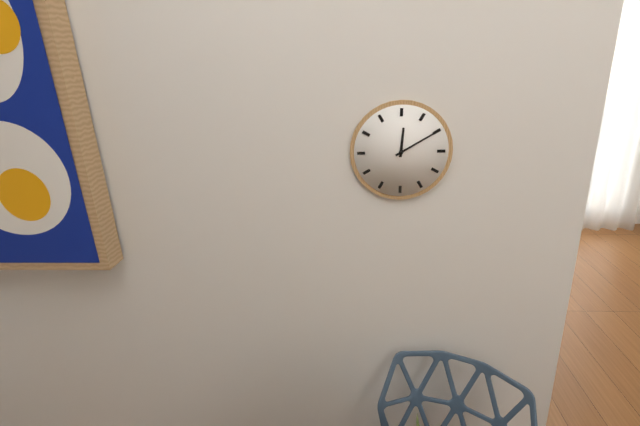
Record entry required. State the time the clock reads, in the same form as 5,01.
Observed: 12,10
